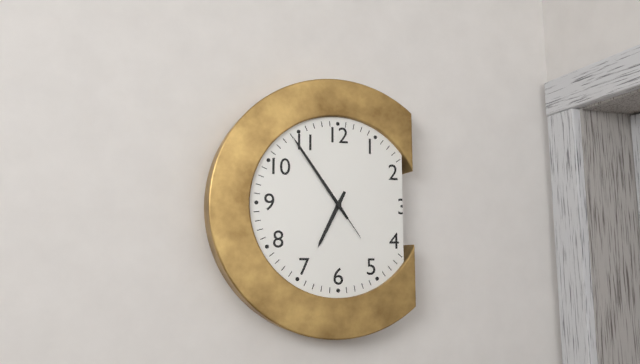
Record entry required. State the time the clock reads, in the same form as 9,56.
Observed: 6,54
